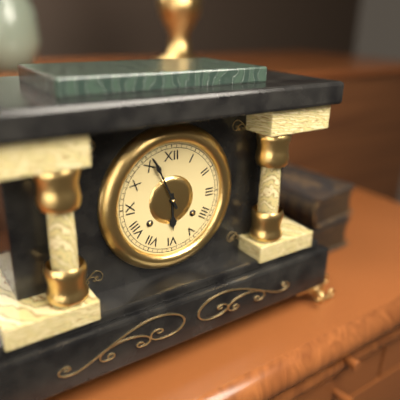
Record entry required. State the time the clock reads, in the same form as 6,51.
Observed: 5,56
